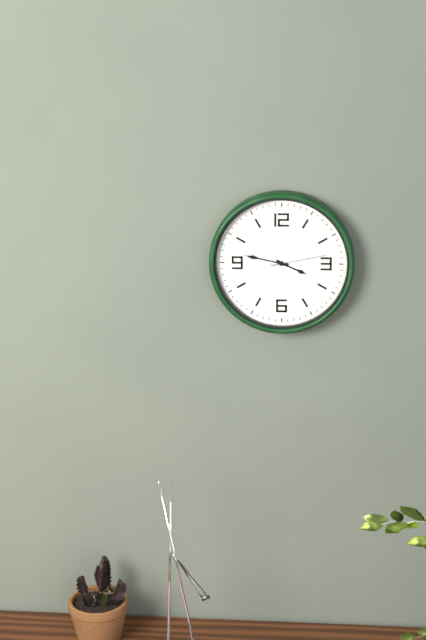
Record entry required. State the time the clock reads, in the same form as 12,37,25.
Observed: 3,47,13
